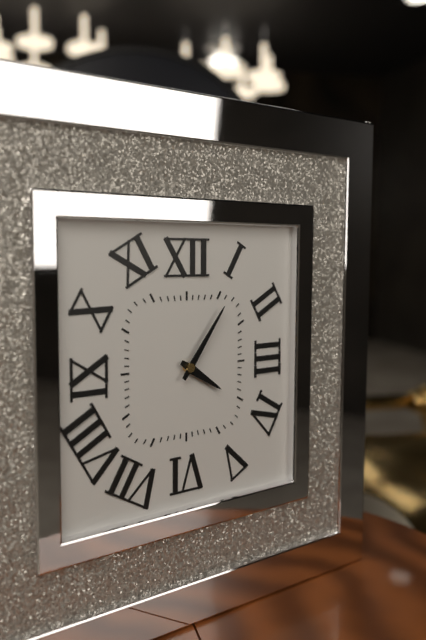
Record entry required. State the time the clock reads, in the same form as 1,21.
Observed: 4,06
